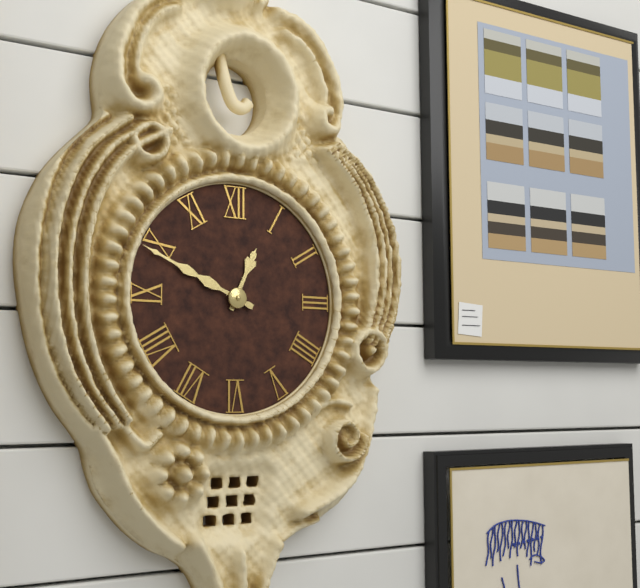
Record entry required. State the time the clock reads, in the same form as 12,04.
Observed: 12,49
